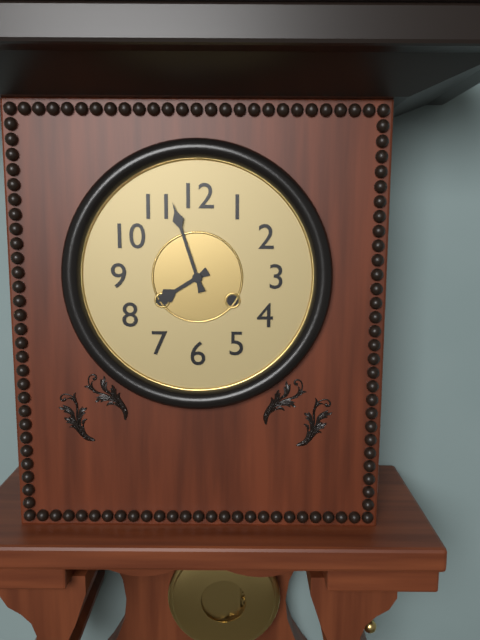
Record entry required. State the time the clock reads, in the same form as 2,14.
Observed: 7,57
